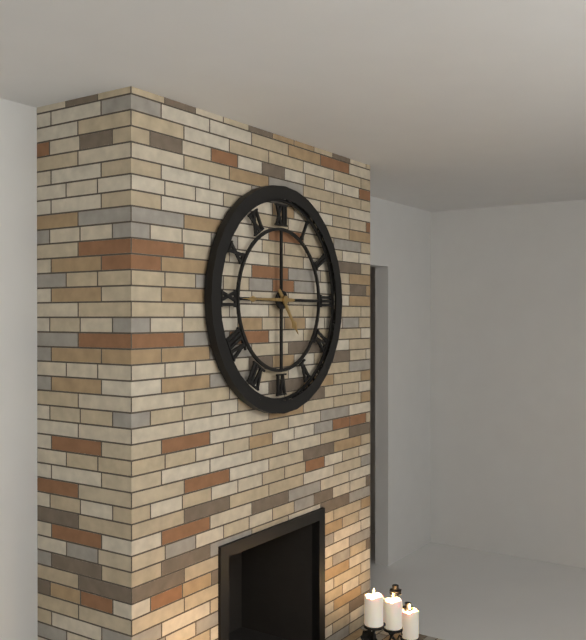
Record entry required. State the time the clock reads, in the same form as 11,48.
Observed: 4,45
